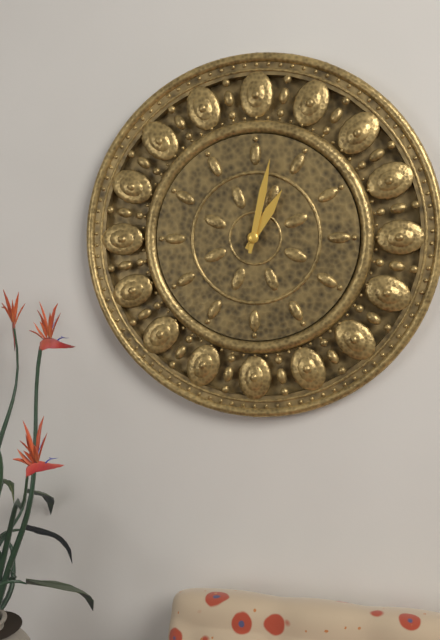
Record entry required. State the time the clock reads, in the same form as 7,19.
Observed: 1,02
